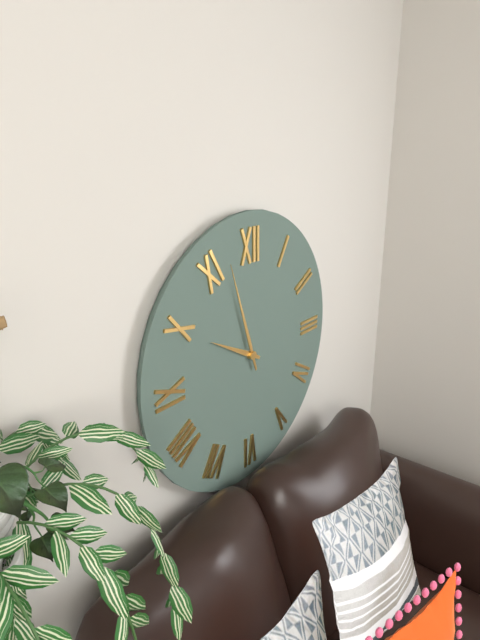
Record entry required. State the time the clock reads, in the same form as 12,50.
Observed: 9,57
